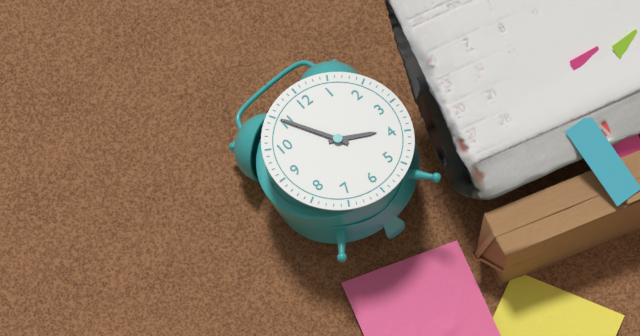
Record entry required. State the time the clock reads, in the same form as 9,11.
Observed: 3,55
